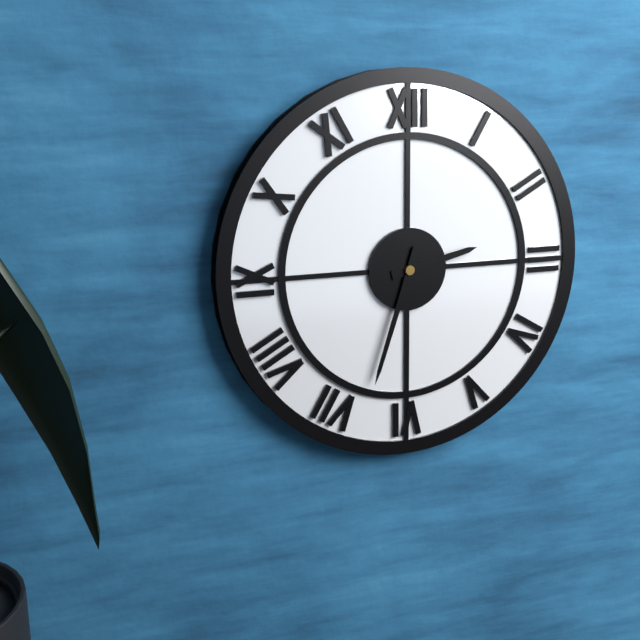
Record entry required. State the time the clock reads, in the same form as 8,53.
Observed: 2,33
